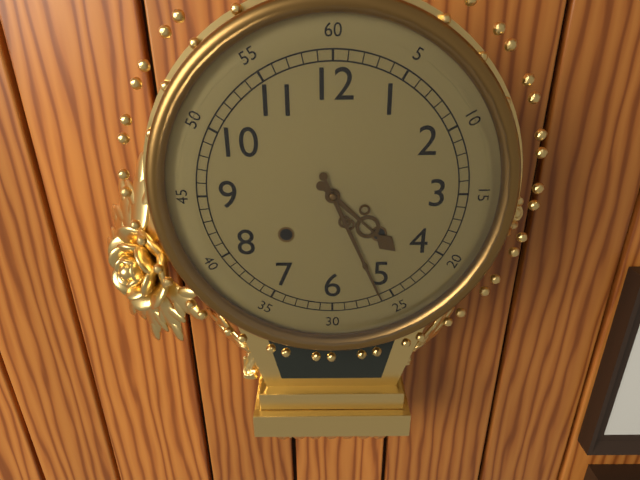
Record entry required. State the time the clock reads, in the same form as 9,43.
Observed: 4,26
